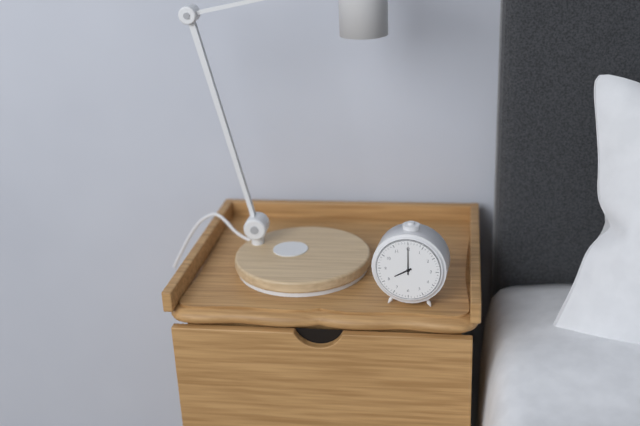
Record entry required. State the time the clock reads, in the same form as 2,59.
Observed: 8,00
